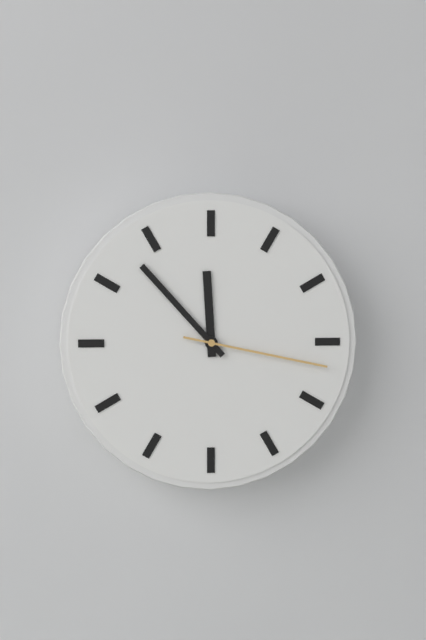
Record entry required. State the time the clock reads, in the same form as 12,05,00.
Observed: 11,53,17
